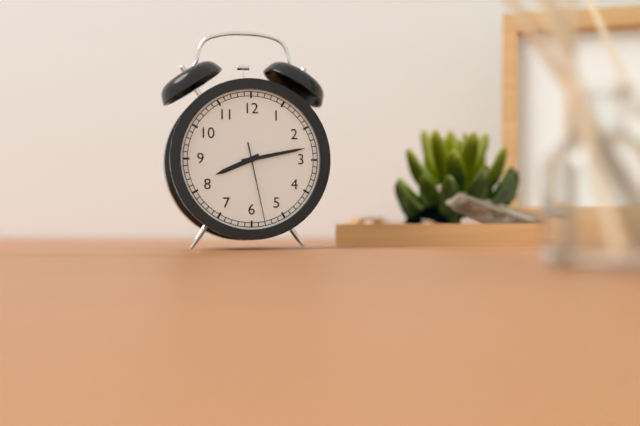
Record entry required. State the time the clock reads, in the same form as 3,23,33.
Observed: 8,13,28
